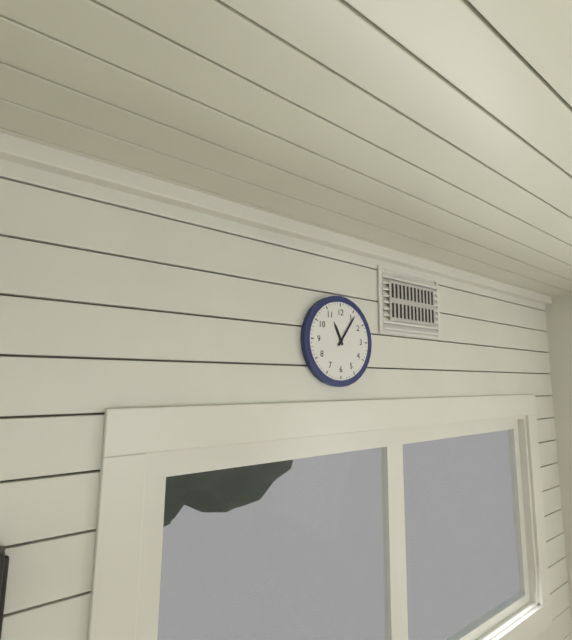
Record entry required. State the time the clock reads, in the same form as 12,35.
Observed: 11,06
